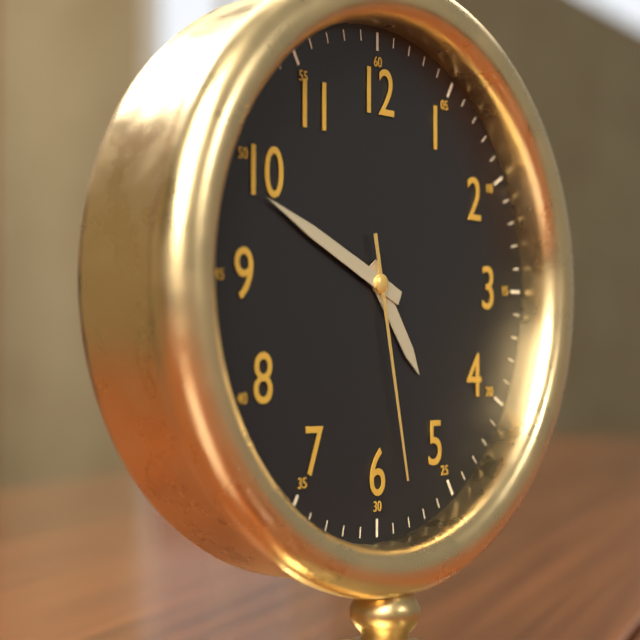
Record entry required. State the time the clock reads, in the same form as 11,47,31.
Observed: 4,49,28
